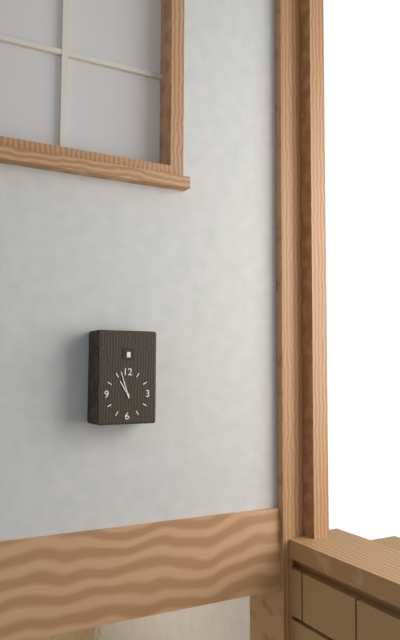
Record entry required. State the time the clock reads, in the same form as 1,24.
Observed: 10,57
